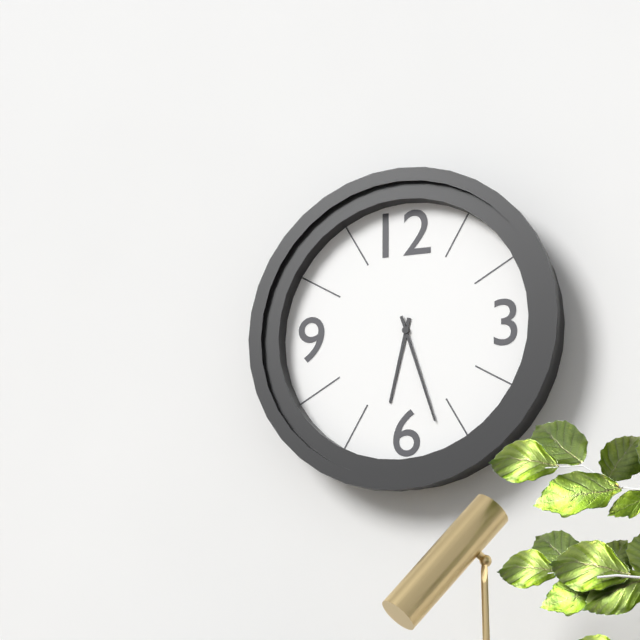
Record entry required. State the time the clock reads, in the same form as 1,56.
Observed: 6,27
